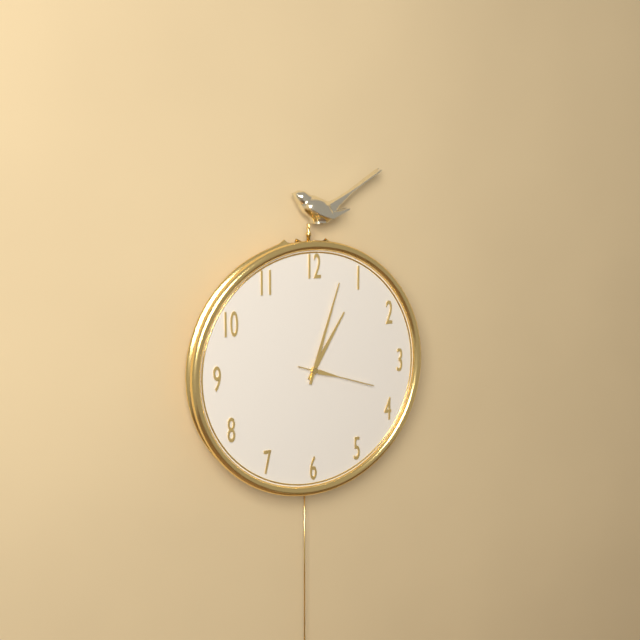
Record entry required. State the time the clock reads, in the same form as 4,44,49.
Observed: 1,03,18
